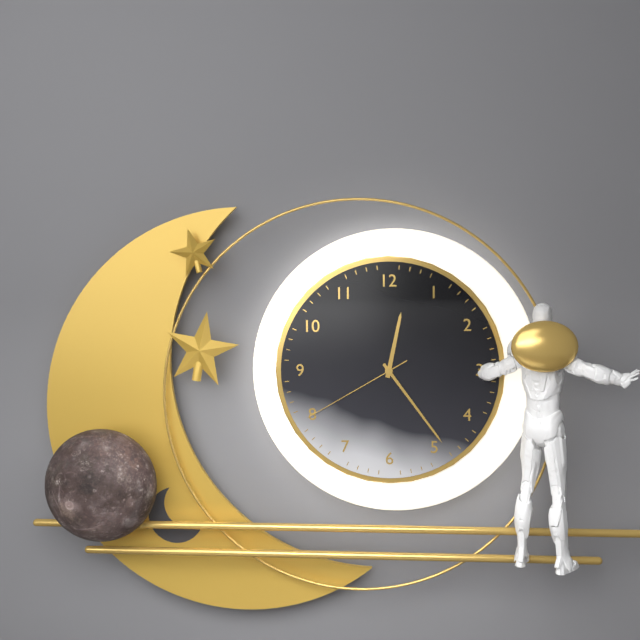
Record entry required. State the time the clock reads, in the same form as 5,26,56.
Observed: 12,24,40
